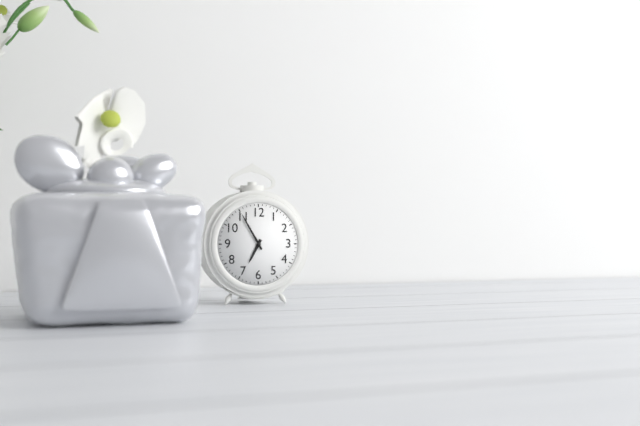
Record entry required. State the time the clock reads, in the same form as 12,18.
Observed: 6,55
